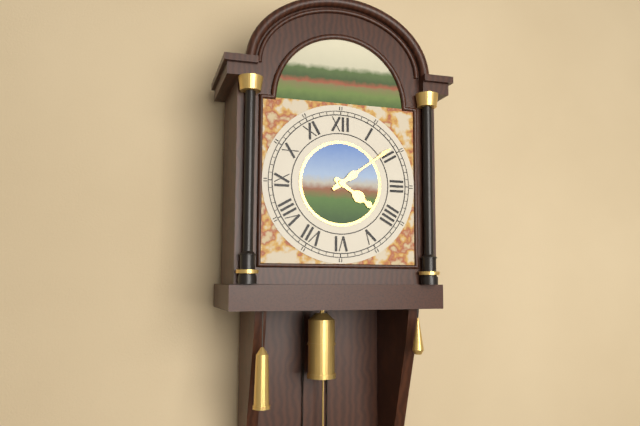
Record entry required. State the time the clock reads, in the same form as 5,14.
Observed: 4,09
